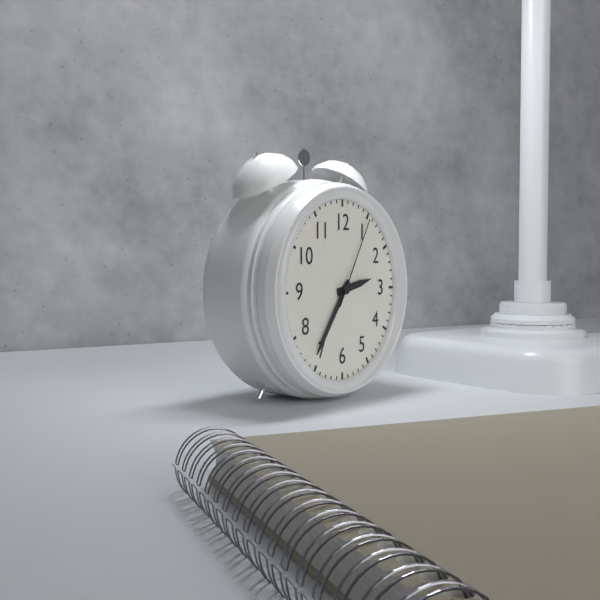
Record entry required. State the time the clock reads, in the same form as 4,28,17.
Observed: 2,36,05
